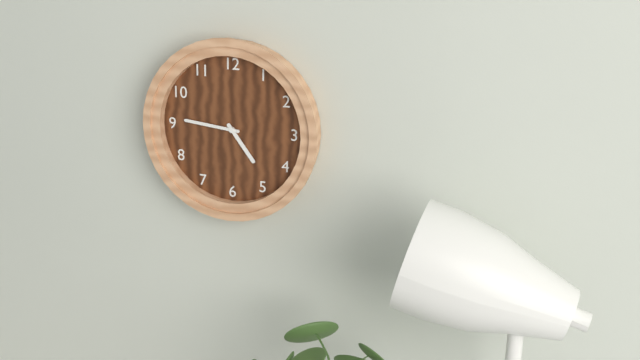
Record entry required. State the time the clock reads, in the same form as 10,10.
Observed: 4,46
